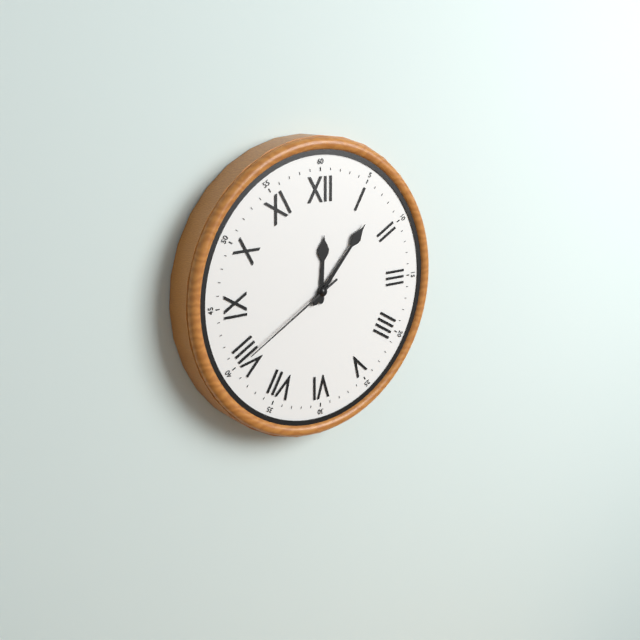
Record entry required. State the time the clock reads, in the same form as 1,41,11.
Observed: 12,07,40
